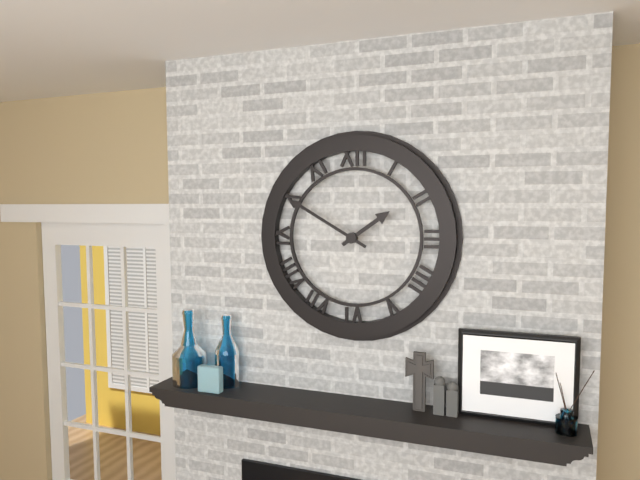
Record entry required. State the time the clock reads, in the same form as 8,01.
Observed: 1,50
